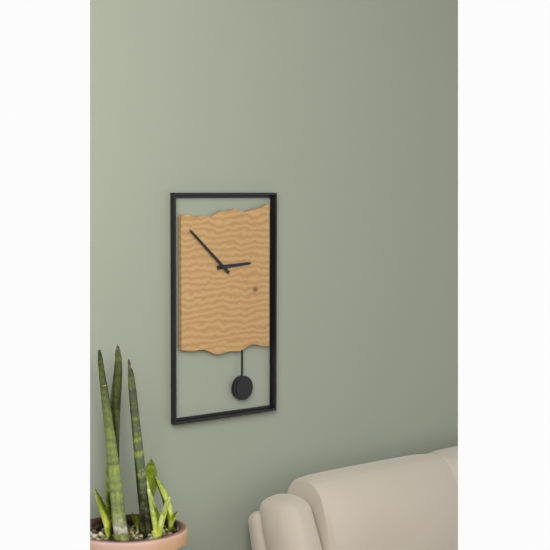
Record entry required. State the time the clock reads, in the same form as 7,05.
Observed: 2,52
